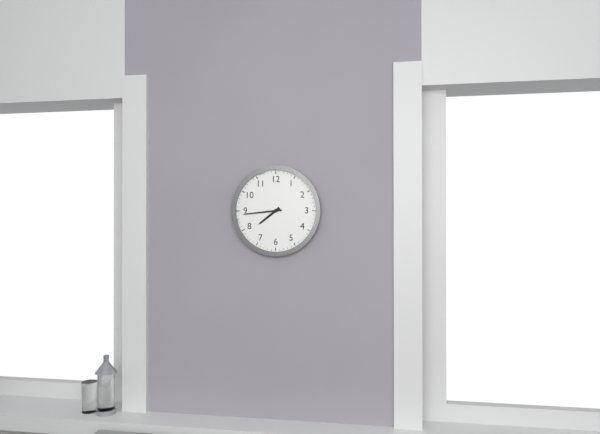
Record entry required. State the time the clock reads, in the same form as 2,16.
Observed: 7,44
